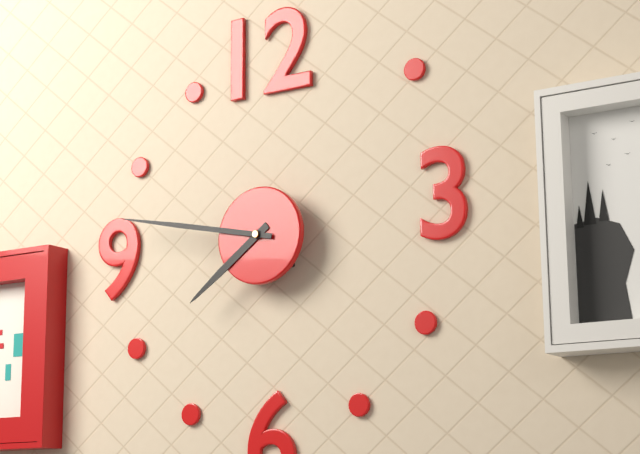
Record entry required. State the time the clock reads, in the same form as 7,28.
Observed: 7,47
